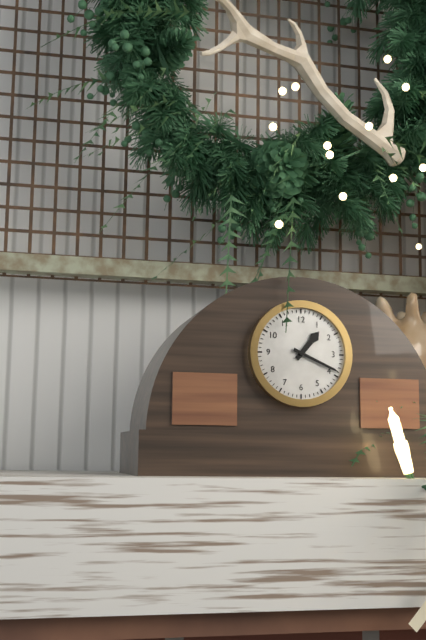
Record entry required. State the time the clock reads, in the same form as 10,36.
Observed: 1,19
